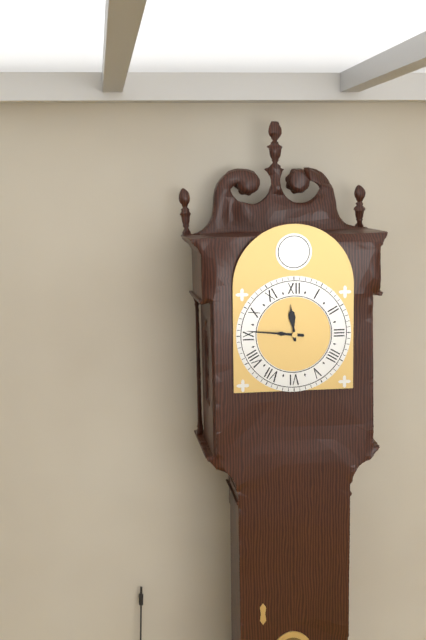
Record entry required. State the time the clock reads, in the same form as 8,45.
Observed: 11,46
